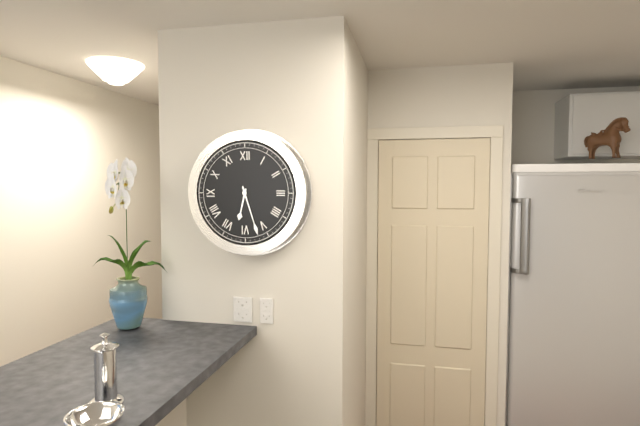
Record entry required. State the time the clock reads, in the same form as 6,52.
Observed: 6,27
